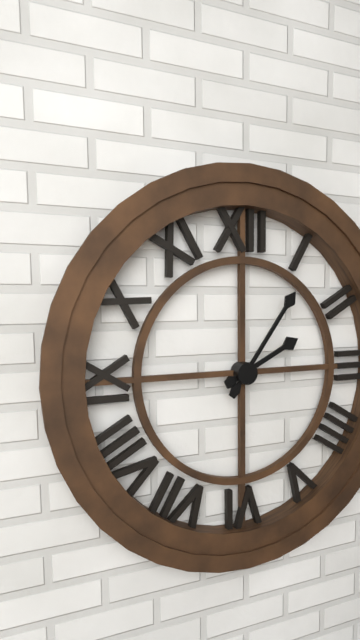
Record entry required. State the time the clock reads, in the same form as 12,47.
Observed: 2,06
